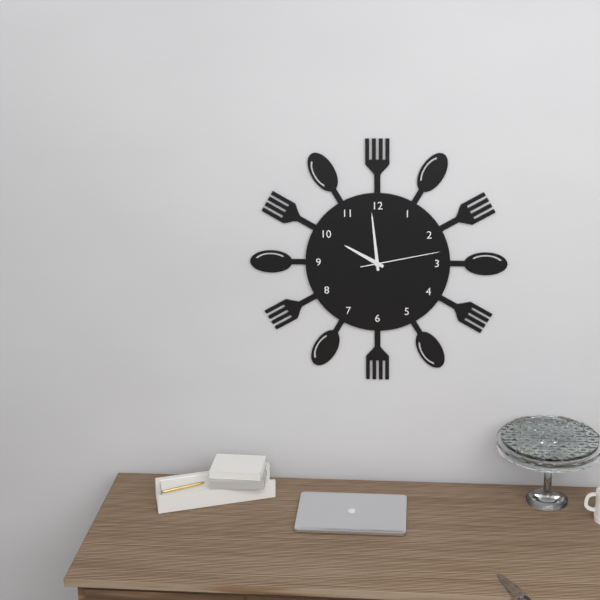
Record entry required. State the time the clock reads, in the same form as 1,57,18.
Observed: 9,59,13
